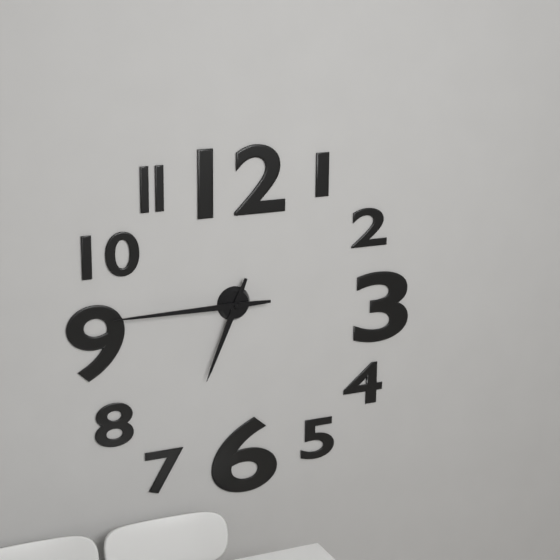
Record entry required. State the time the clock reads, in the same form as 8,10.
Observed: 6,45
